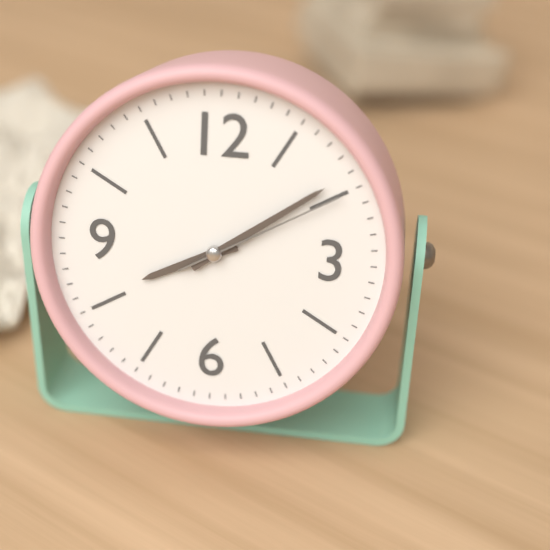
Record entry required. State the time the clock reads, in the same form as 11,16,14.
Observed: 8,09,10
